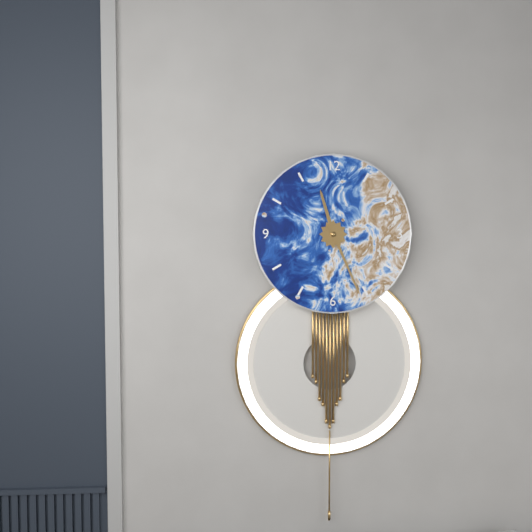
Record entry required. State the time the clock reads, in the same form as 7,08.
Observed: 11,26
